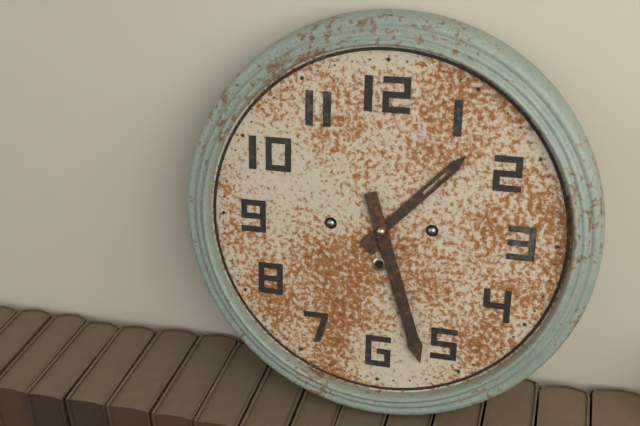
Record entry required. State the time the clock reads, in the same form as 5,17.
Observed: 1,27
